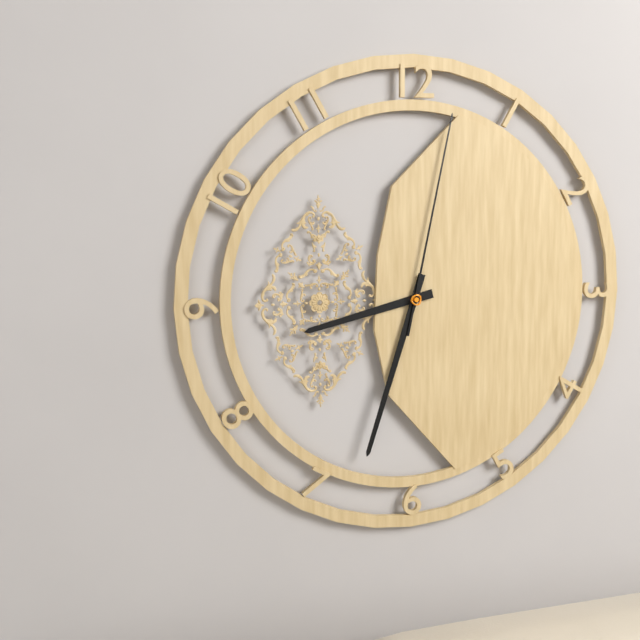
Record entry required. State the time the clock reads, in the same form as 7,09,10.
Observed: 8,33,02
